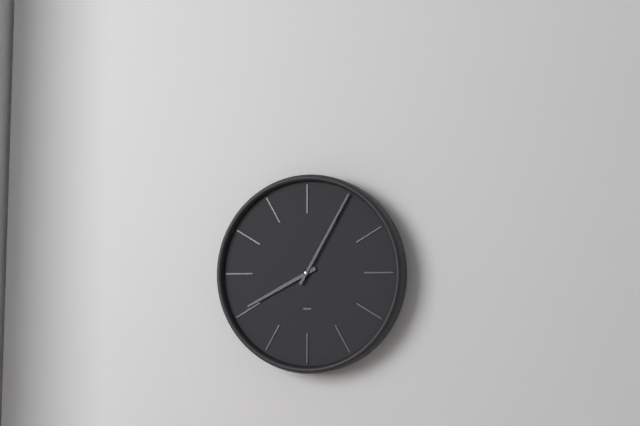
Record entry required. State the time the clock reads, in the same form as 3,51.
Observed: 8,05
